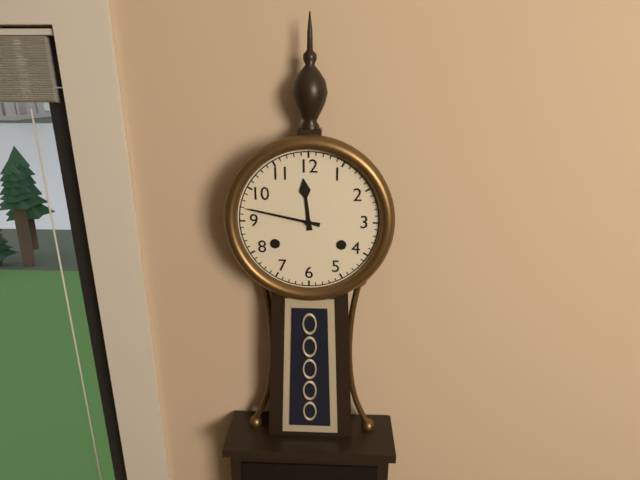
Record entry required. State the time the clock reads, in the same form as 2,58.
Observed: 11,47
